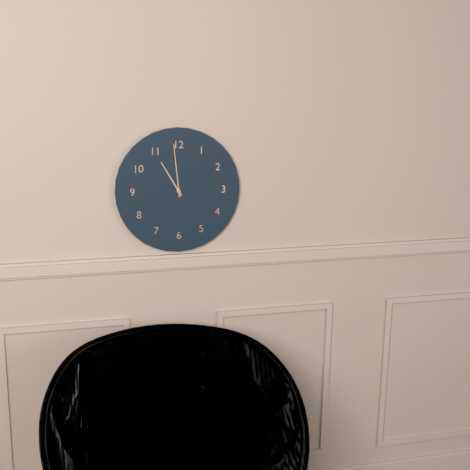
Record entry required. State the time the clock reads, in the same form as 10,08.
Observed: 10,59
